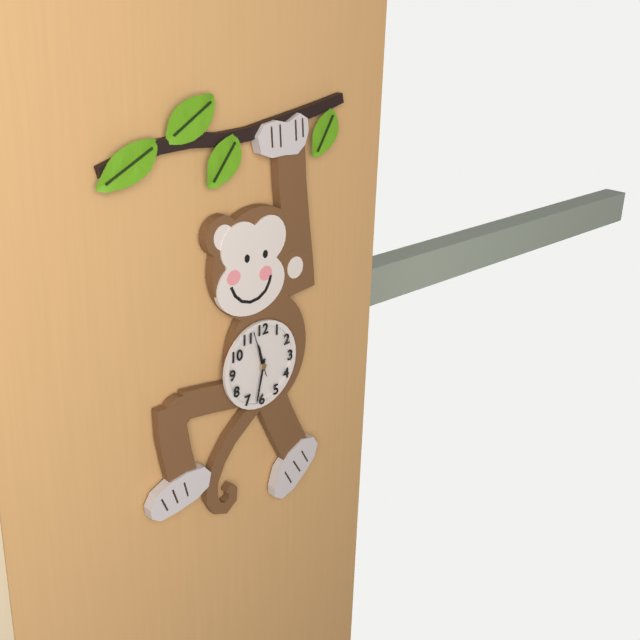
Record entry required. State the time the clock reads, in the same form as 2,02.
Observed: 11,32
